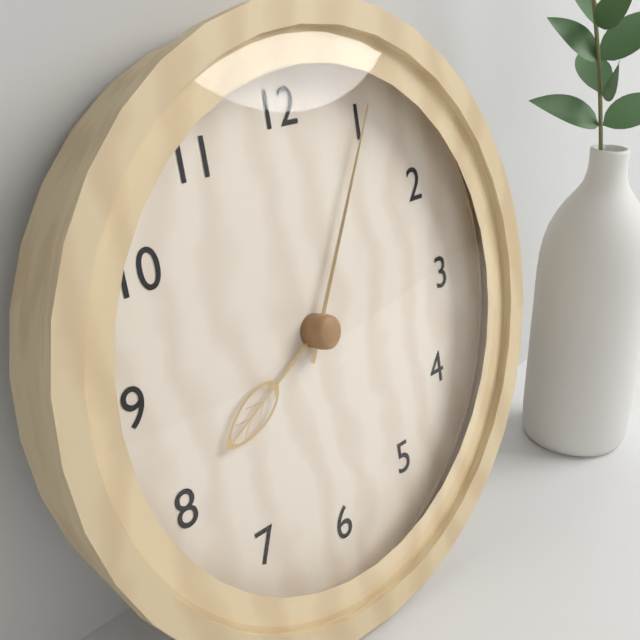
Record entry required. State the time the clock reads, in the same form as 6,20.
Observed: 8,05
